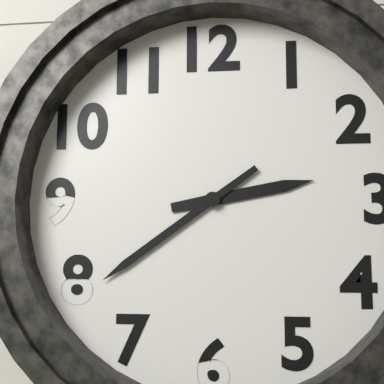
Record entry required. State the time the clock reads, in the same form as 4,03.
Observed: 2,39
